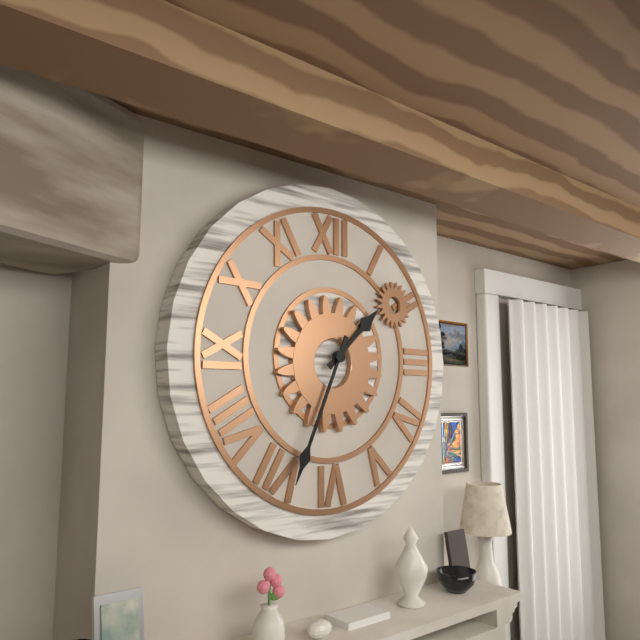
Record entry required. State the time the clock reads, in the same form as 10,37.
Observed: 1,34
